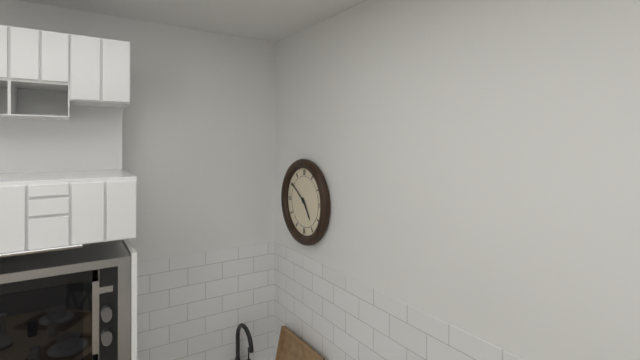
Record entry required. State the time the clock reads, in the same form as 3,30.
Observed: 4,51
